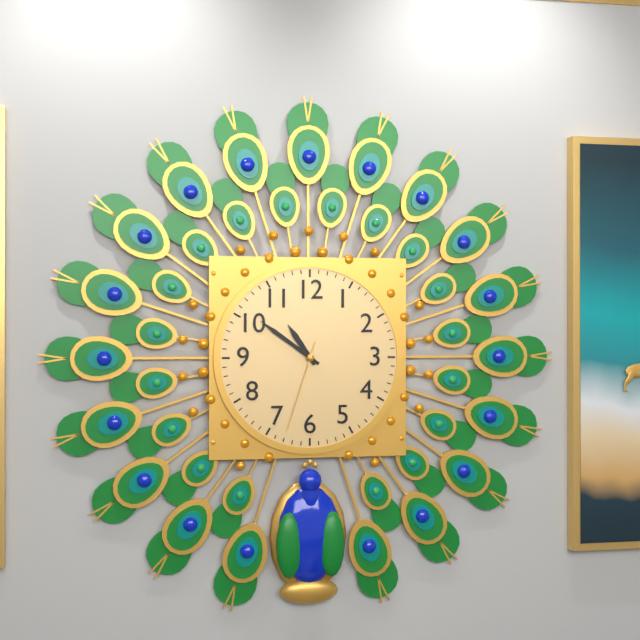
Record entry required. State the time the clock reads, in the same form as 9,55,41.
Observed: 10,51,33
